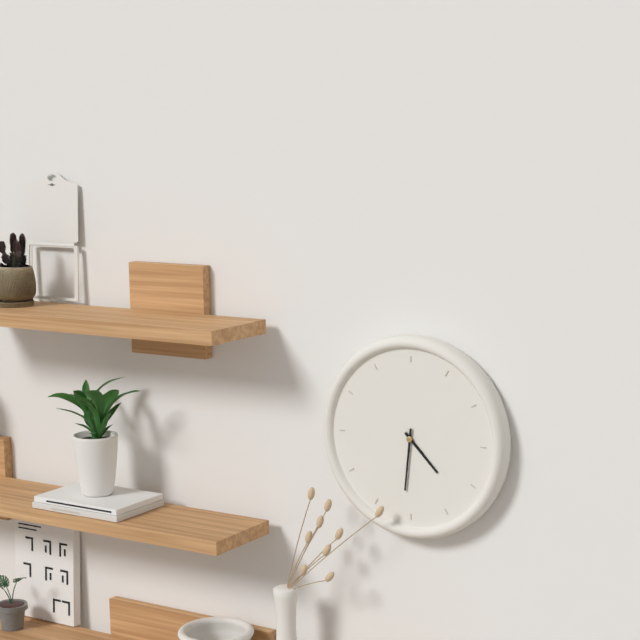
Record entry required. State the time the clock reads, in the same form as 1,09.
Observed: 4,31
